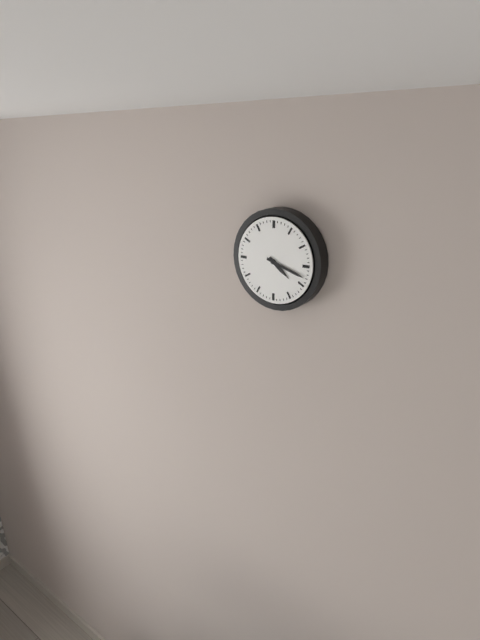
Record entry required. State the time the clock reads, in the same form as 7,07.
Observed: 4,18
